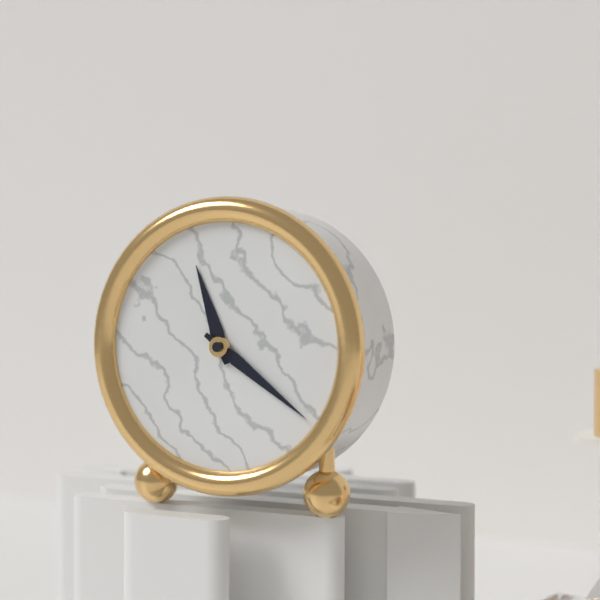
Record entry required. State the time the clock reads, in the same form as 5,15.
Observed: 11,21
